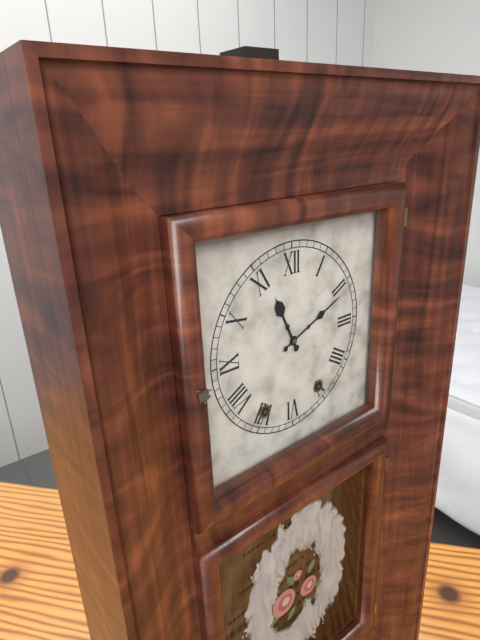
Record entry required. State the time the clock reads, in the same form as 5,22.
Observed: 11,11
